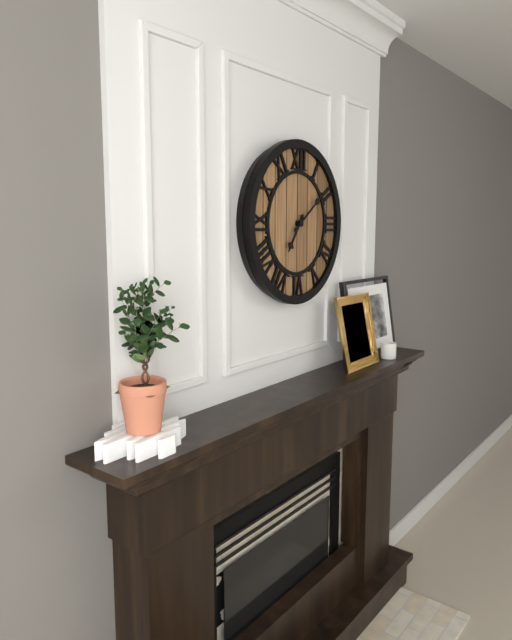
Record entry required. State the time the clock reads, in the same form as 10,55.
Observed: 7,09
